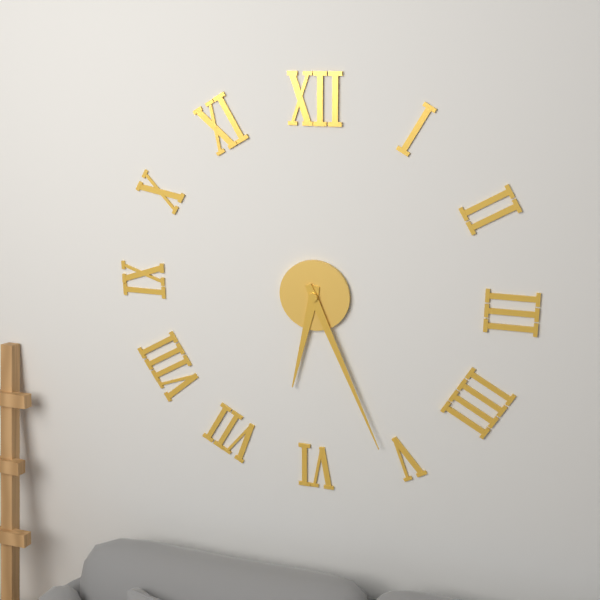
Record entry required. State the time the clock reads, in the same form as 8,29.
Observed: 6,26
